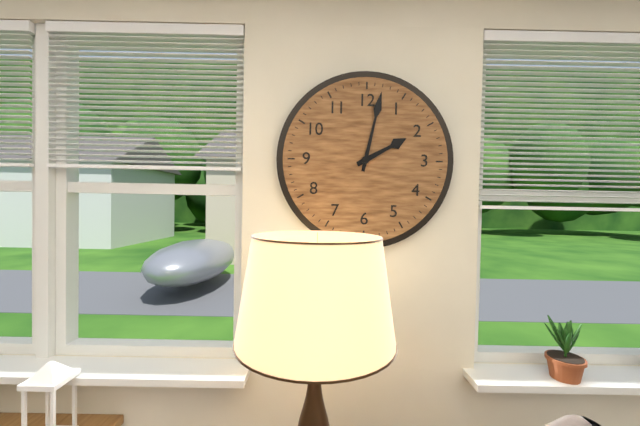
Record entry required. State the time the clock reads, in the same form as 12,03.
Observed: 2,02
